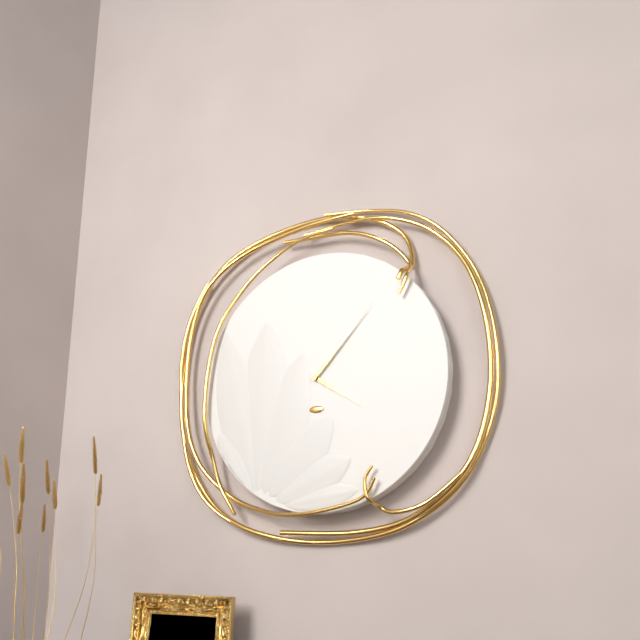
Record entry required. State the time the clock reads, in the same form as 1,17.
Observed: 4,07
